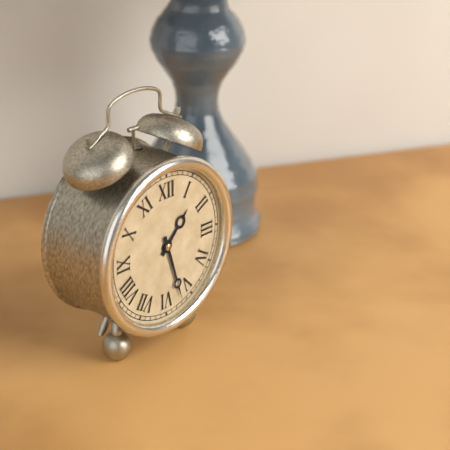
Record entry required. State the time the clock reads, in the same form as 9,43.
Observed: 1,27
